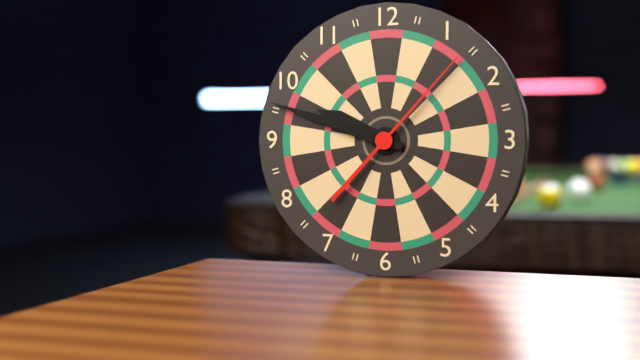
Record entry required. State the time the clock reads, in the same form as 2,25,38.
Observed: 9,48,07
